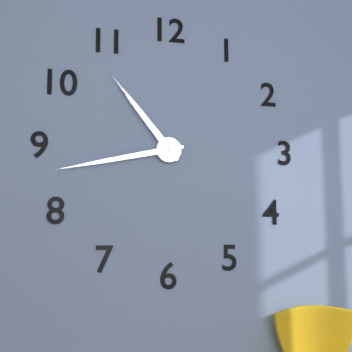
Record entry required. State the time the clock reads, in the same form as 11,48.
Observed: 10,43
